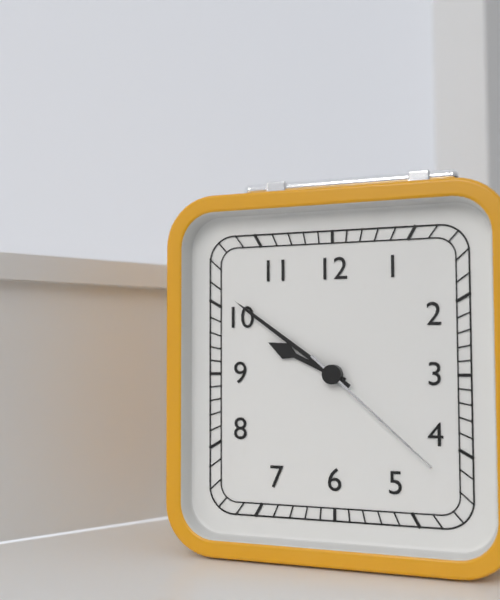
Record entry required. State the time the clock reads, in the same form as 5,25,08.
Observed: 9,51,22
